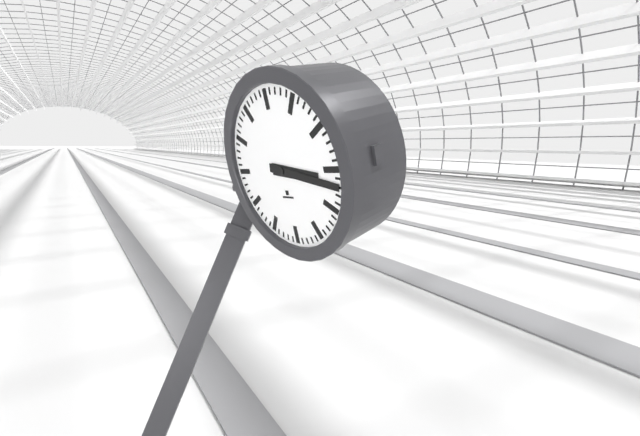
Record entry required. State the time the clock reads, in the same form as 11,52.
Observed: 3,17
